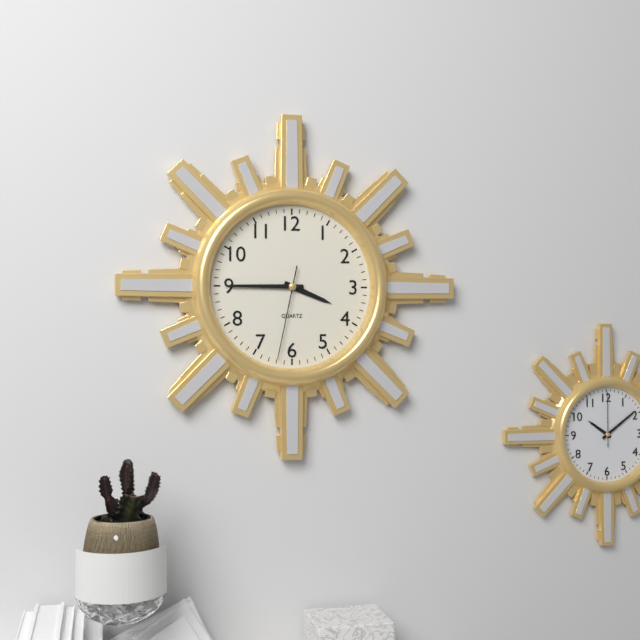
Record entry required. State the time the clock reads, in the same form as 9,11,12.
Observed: 3,45,32
